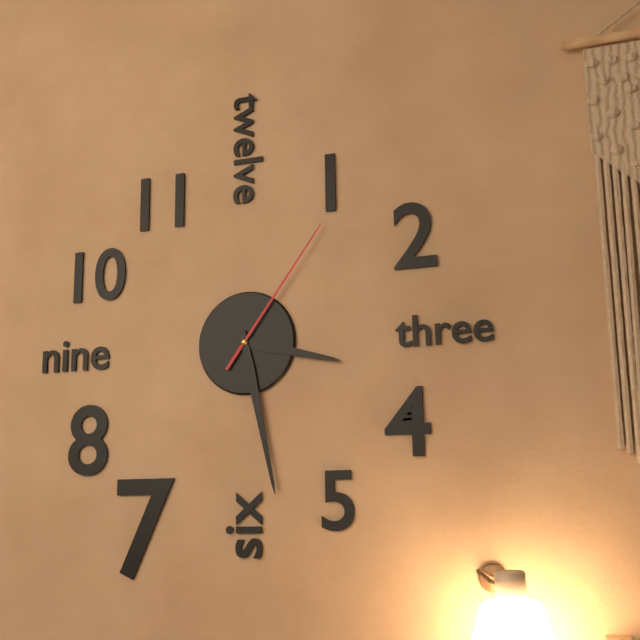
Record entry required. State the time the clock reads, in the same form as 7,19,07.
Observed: 3,28,06
